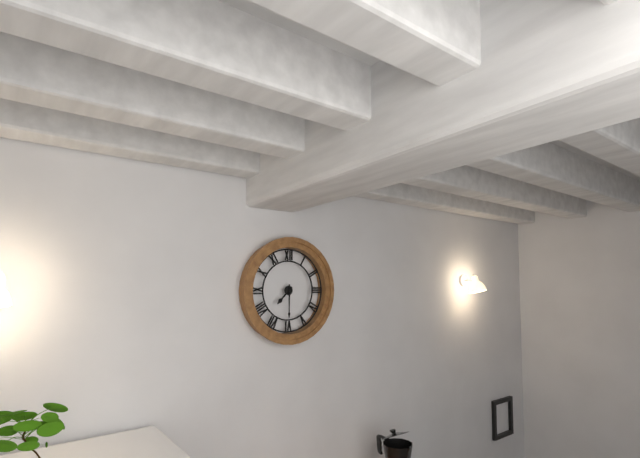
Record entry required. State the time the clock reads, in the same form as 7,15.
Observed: 7,30
